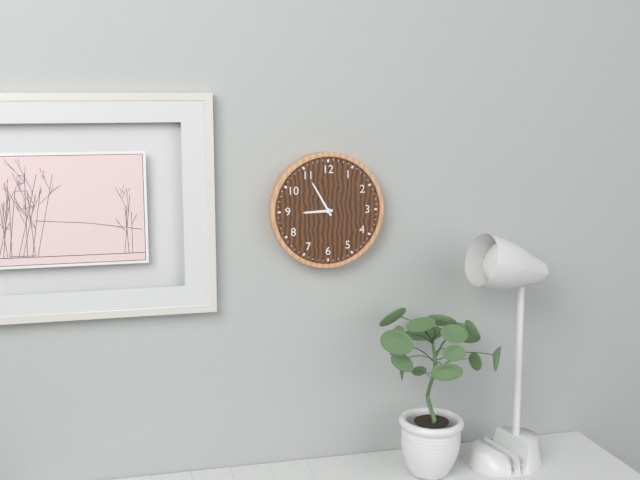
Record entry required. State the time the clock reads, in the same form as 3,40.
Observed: 8,55
